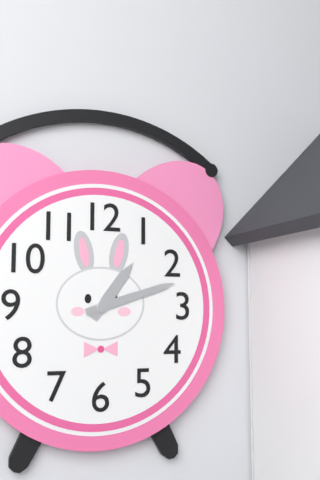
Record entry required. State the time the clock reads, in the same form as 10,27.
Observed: 1,12
